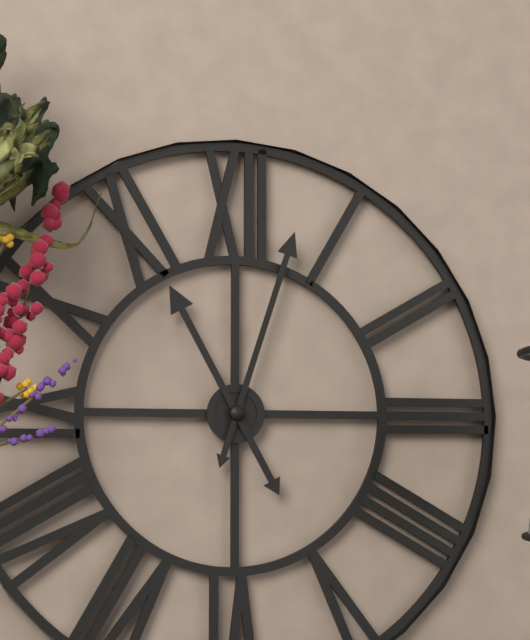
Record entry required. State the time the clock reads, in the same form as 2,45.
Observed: 11,03
